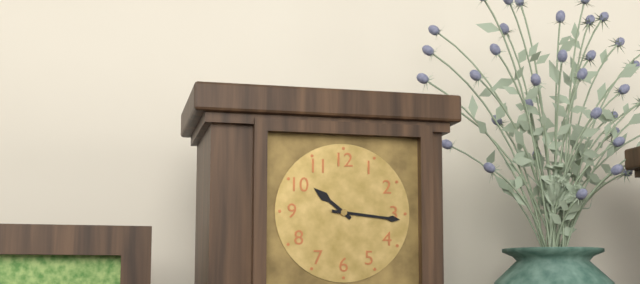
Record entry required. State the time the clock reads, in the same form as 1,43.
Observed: 10,16
